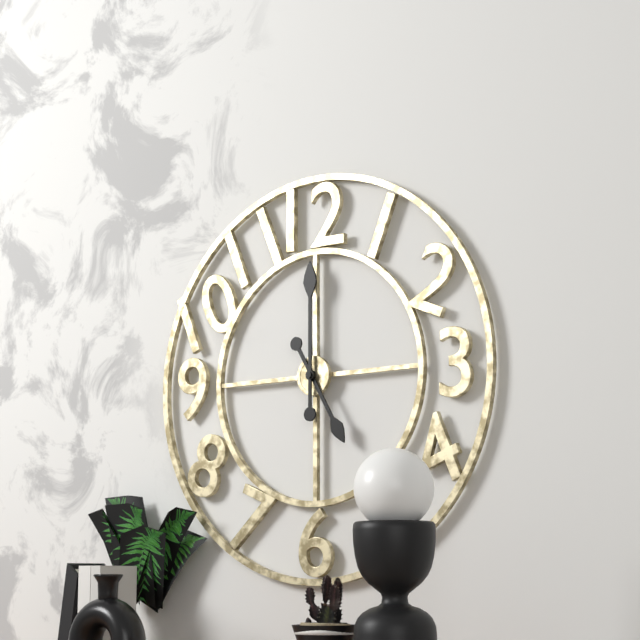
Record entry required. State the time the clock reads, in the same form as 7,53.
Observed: 5,00
